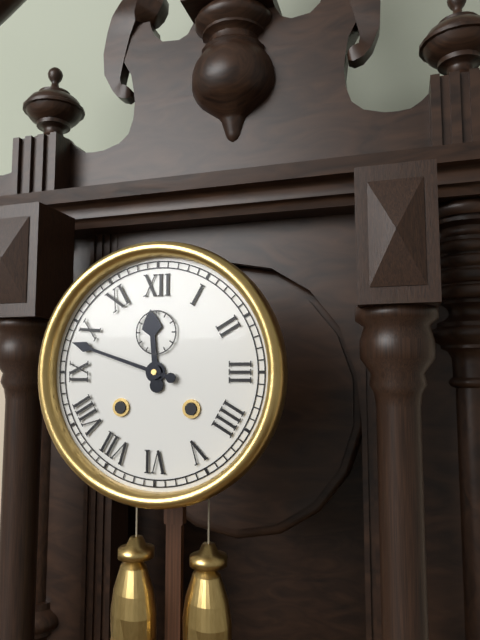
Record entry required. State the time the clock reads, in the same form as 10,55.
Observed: 11,48
